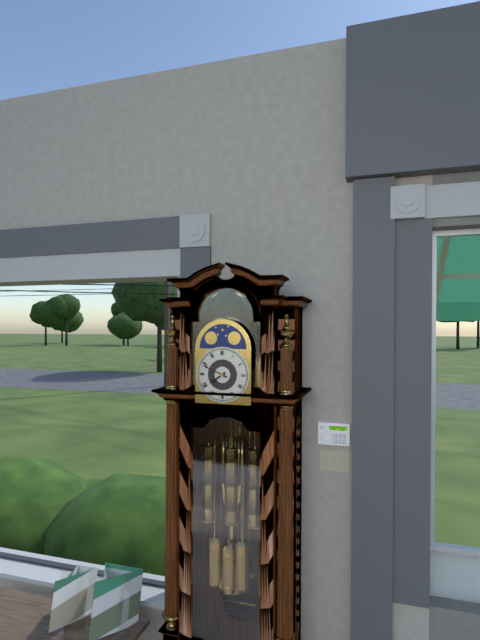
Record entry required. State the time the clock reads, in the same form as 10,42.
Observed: 7,49
